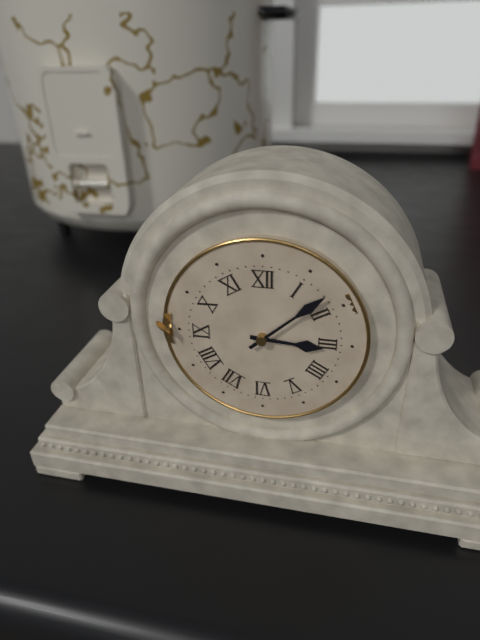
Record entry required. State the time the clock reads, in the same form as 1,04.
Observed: 3,08
